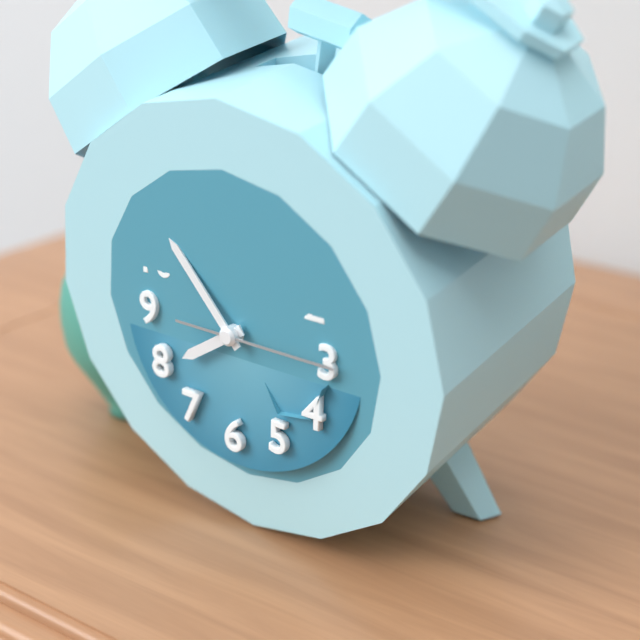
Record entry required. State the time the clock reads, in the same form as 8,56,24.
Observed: 7,53,15
